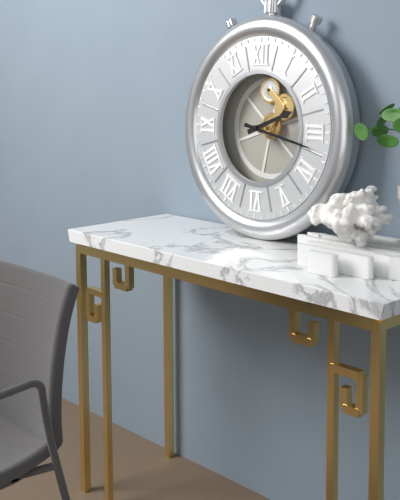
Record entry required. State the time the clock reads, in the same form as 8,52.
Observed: 2,17
